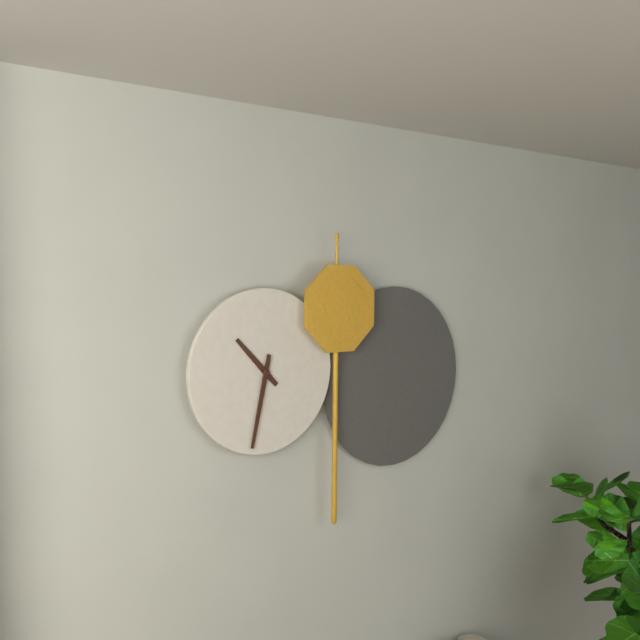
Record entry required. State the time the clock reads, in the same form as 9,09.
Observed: 10,32
